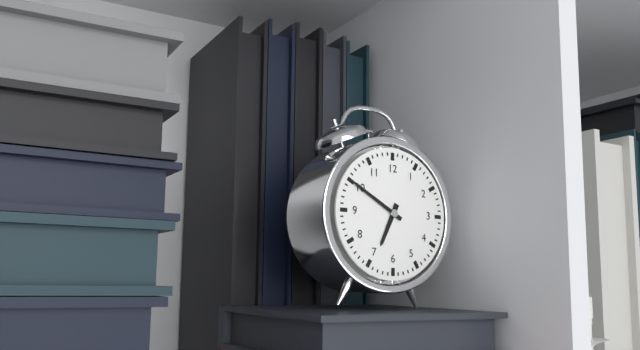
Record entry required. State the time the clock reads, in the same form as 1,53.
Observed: 6,50
